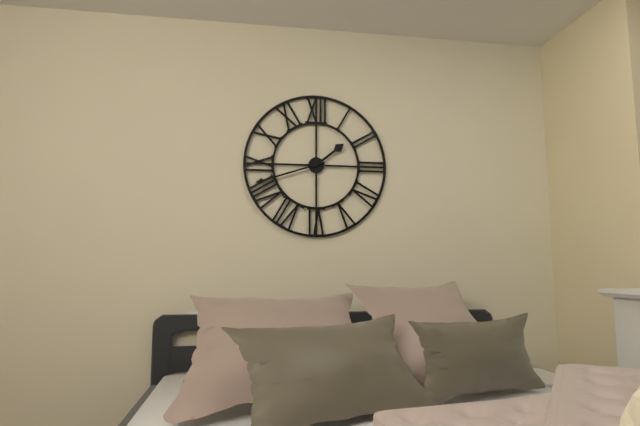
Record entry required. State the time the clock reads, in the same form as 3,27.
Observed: 1,42
